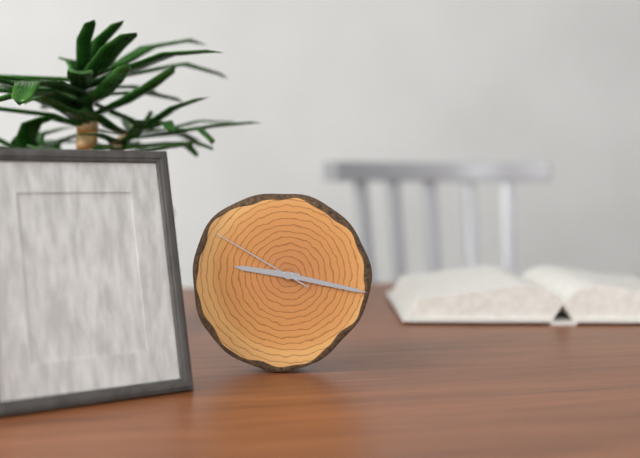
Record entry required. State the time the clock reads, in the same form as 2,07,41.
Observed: 9,17,50
